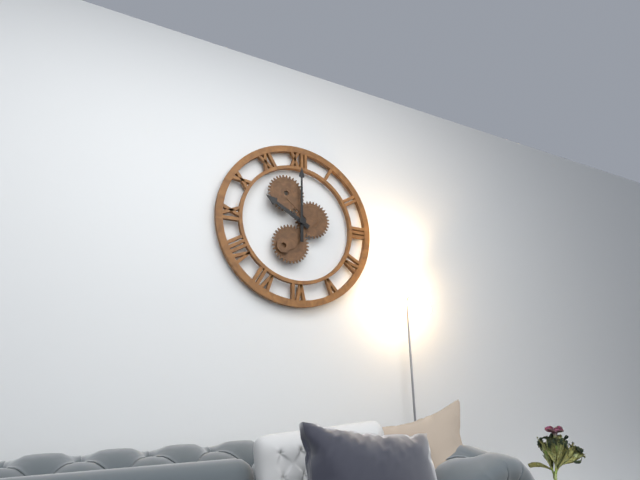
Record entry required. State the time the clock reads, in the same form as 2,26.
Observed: 10,00
